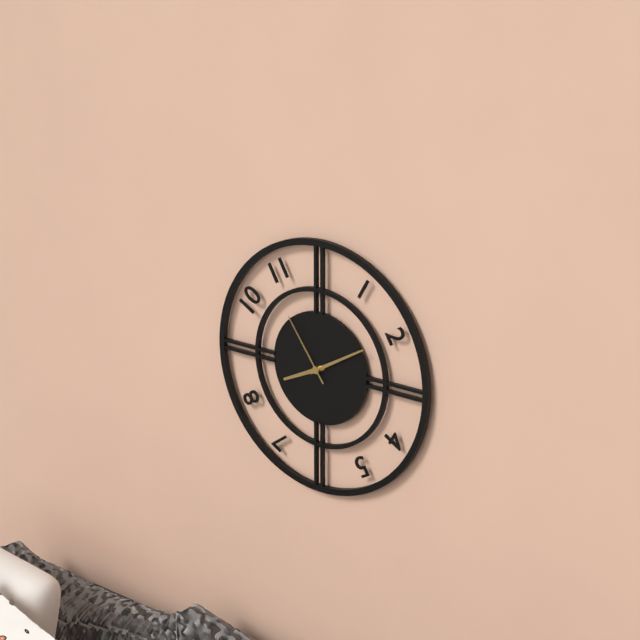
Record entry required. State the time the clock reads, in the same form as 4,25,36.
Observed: 8,10,54
